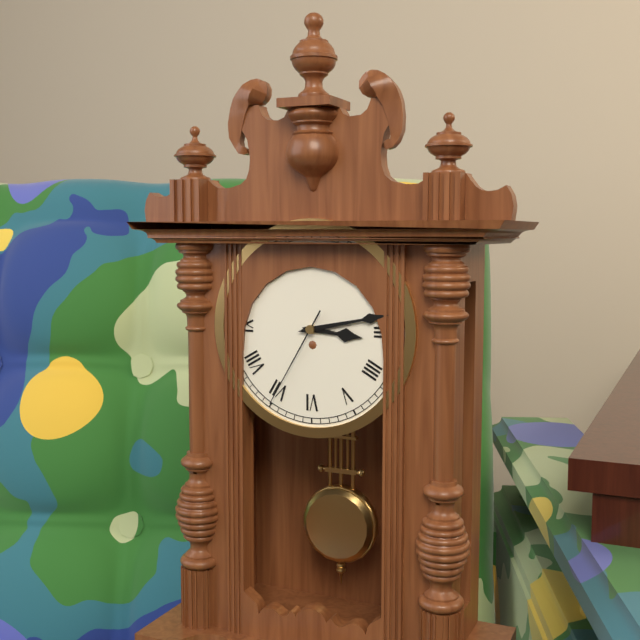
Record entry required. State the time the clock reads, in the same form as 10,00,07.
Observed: 3,13,35
